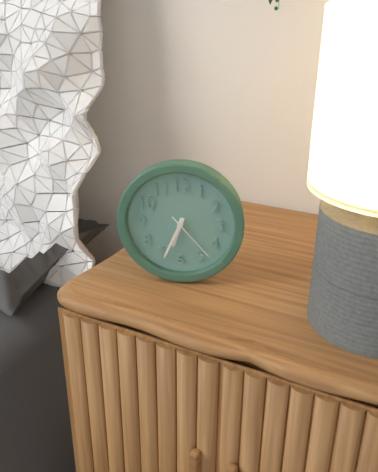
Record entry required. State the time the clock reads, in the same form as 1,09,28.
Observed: 6,34,23
